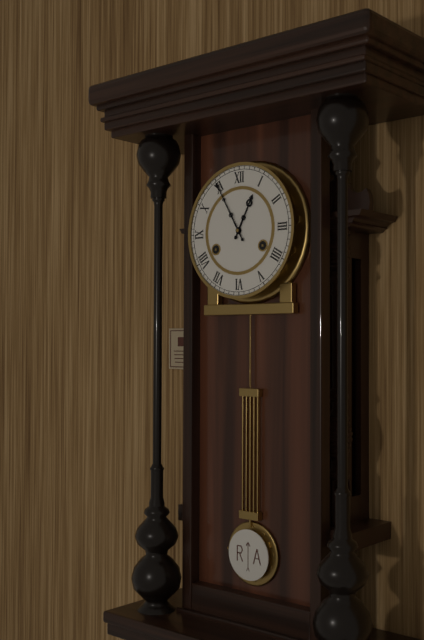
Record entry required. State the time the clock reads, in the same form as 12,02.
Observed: 12,55
